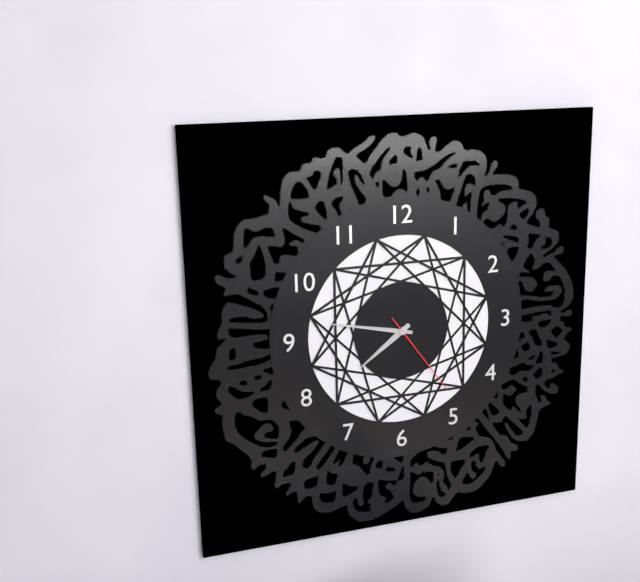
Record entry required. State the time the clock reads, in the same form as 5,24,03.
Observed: 7,47,24
